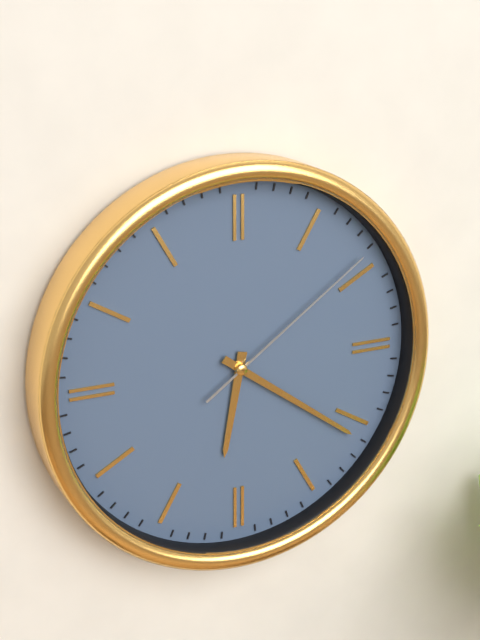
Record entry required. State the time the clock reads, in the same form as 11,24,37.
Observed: 6,21,09
